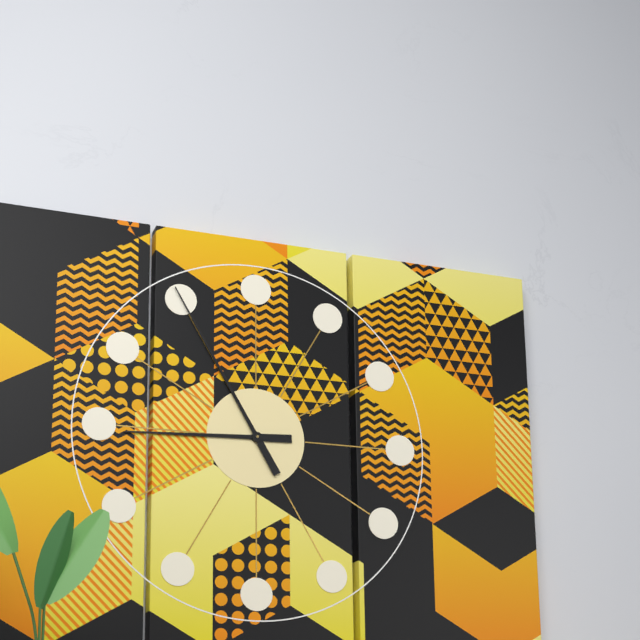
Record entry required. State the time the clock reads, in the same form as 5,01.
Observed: 8,55
